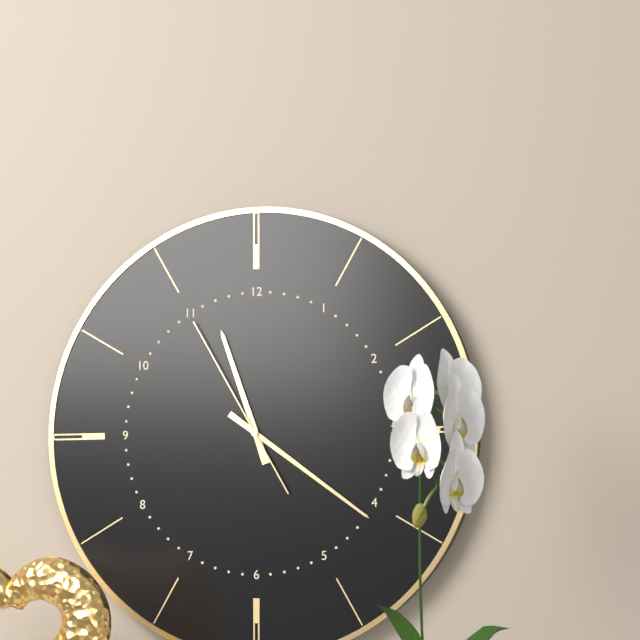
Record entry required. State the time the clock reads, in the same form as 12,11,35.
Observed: 11,21,55
